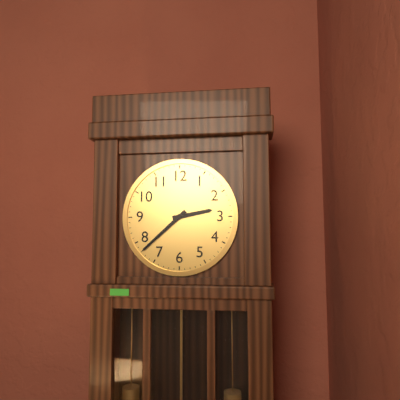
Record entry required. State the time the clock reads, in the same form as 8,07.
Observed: 2,38
